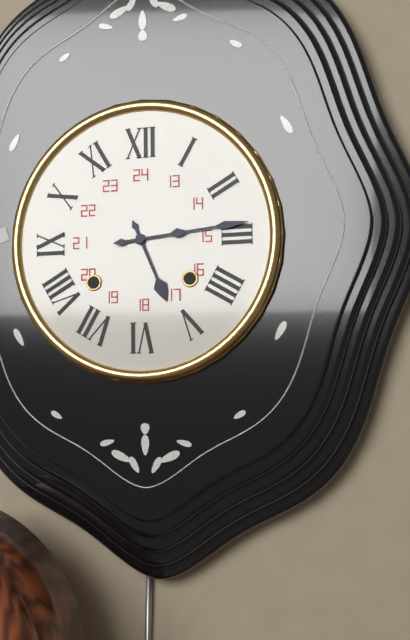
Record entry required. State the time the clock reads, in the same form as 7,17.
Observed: 5,14
